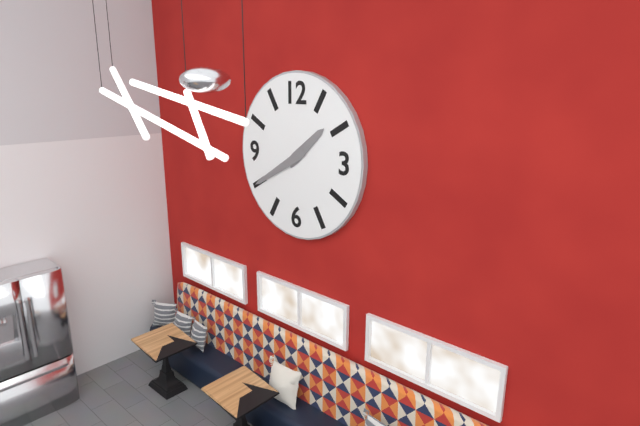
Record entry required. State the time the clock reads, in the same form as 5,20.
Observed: 1,40
